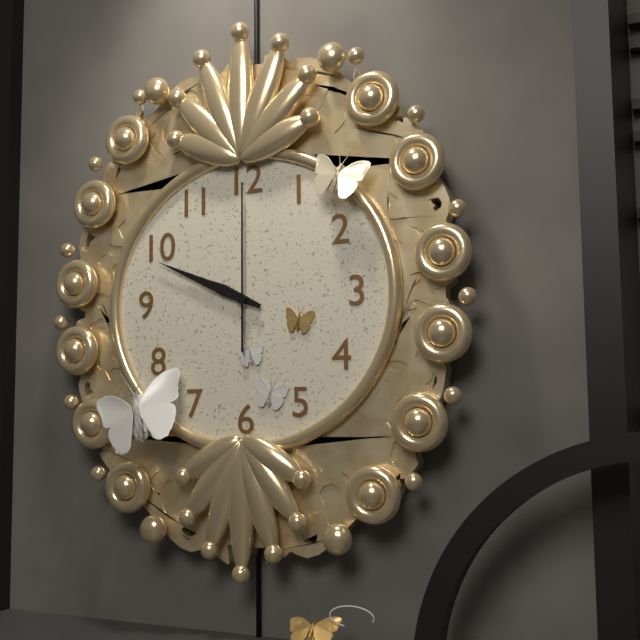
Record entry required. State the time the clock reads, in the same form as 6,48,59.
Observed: 9,49,00
